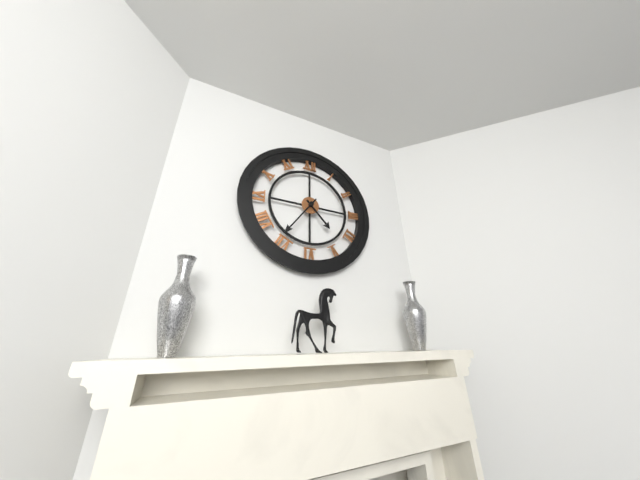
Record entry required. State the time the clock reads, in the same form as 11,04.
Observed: 4,36
